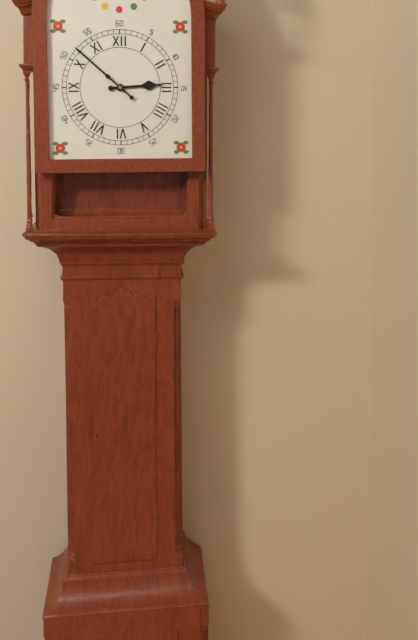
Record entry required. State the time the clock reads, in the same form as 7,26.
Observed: 2,52
